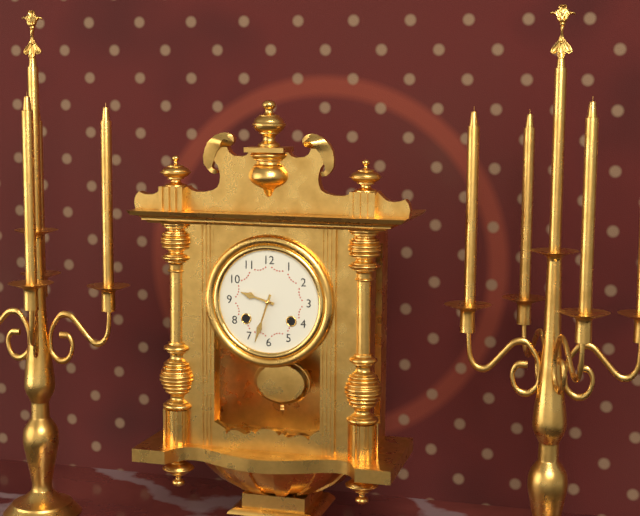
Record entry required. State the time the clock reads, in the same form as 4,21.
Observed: 9,33
